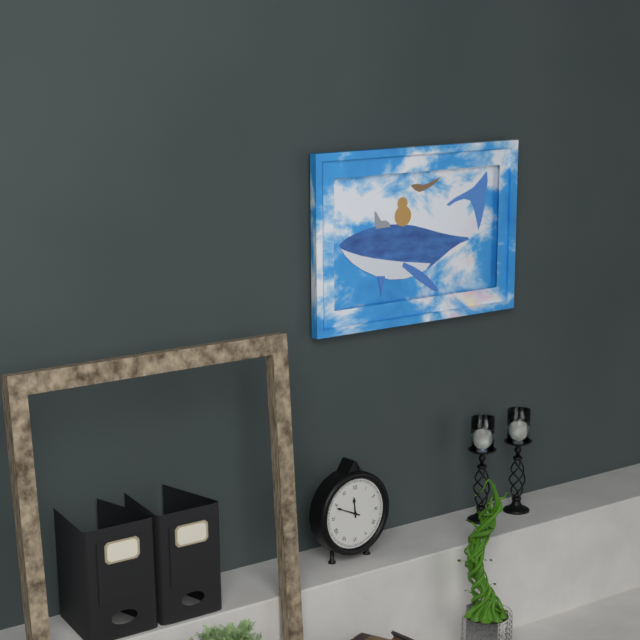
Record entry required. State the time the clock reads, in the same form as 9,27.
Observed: 11,49
